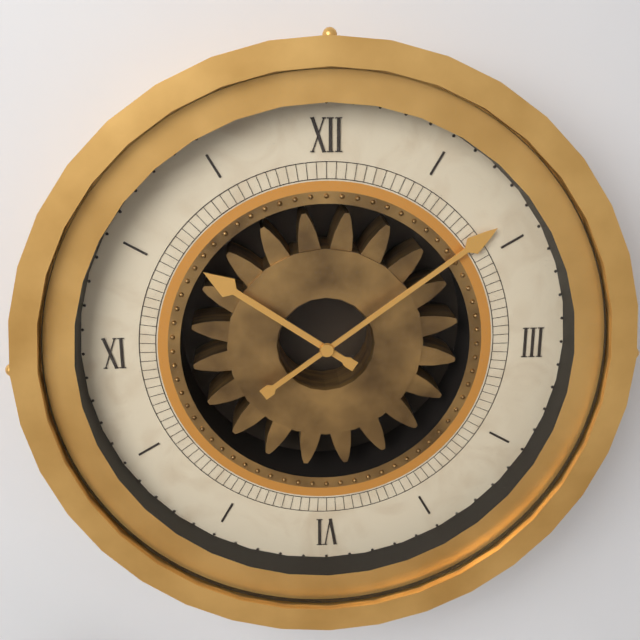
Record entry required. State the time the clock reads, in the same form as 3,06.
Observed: 10,09
